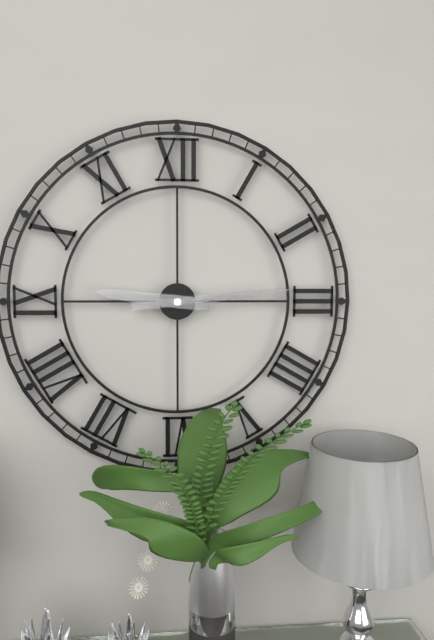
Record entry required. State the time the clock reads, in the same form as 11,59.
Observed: 9,14
